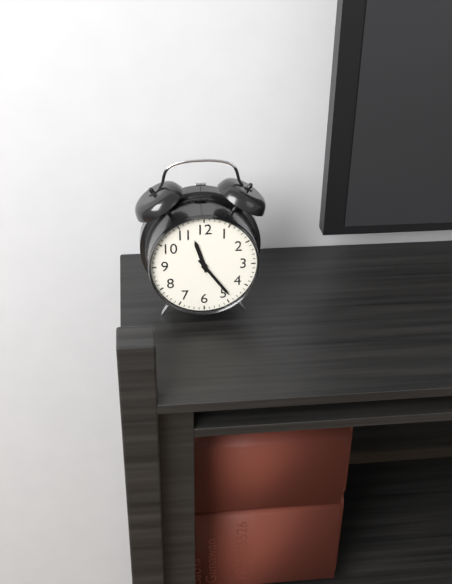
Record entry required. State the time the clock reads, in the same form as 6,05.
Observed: 11,24
